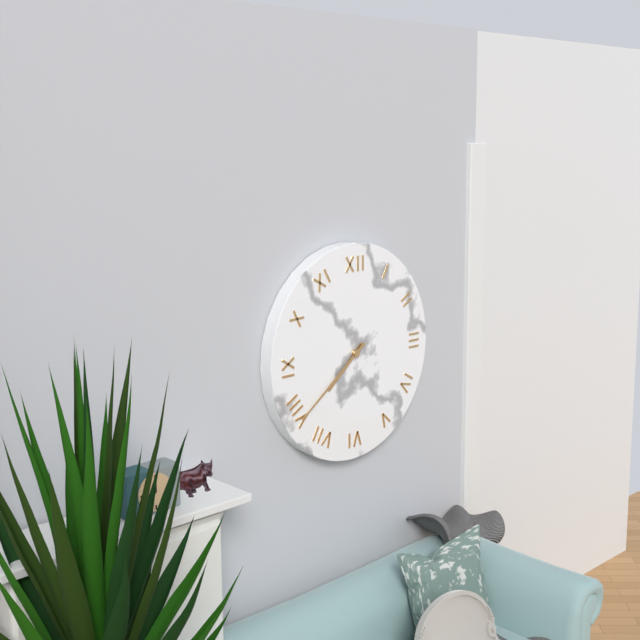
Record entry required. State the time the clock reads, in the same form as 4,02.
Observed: 7,39
